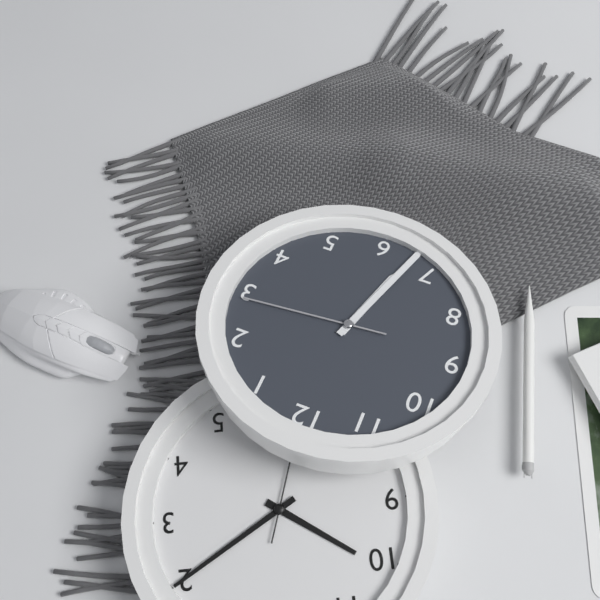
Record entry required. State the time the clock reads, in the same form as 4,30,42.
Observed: 6,33,14
